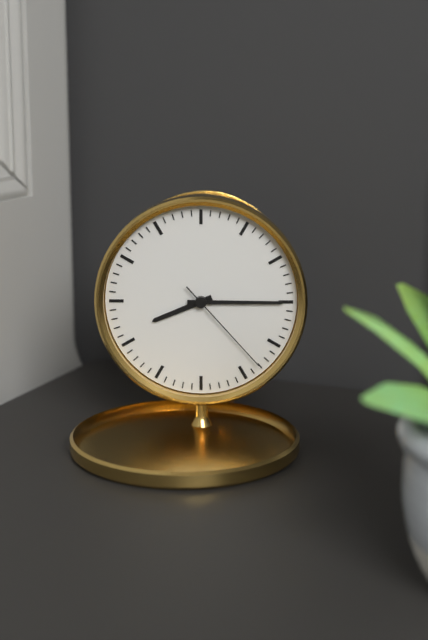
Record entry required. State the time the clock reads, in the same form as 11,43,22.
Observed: 8,15,23
